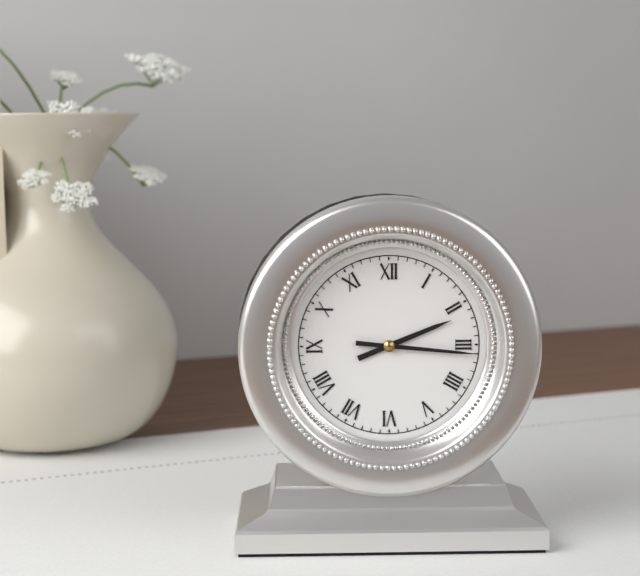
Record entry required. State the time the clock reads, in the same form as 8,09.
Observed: 2,16
